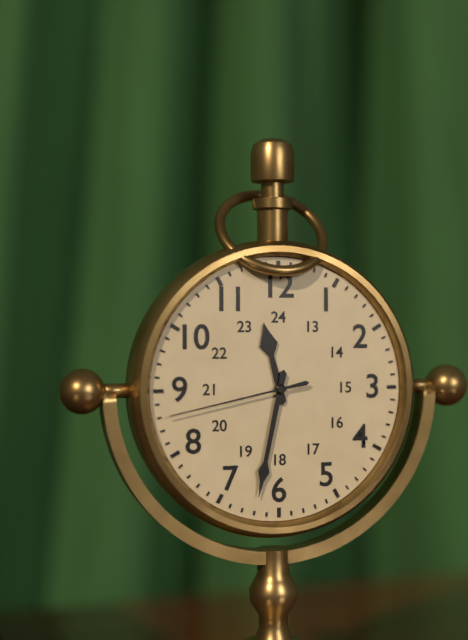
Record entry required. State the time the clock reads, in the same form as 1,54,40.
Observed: 11,32,43
